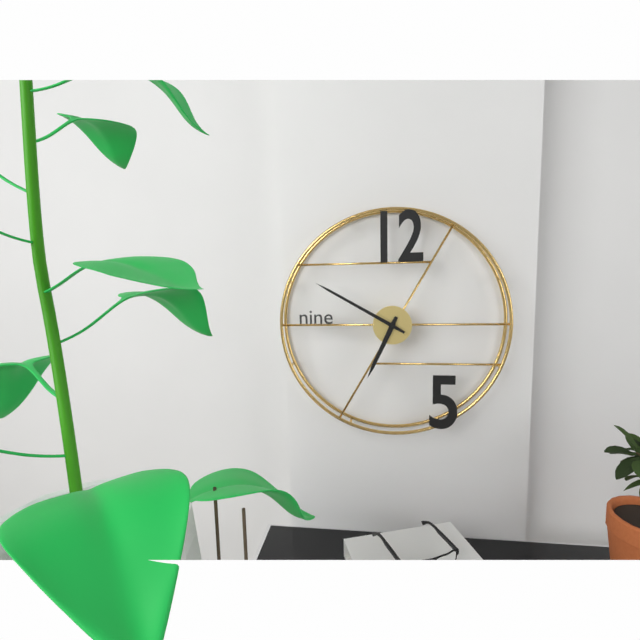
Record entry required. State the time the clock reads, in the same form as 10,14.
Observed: 6,50
